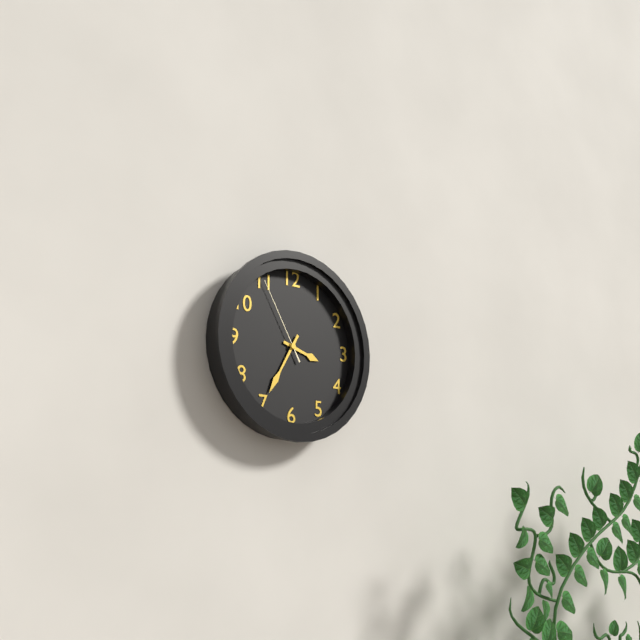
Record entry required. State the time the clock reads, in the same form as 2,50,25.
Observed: 3,35,55
